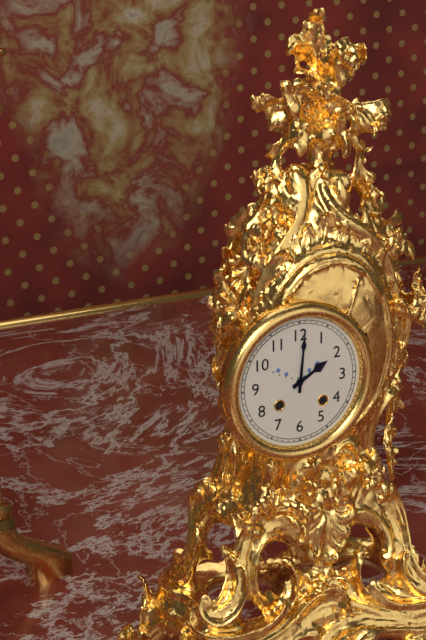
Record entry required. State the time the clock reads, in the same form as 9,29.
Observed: 2,01
